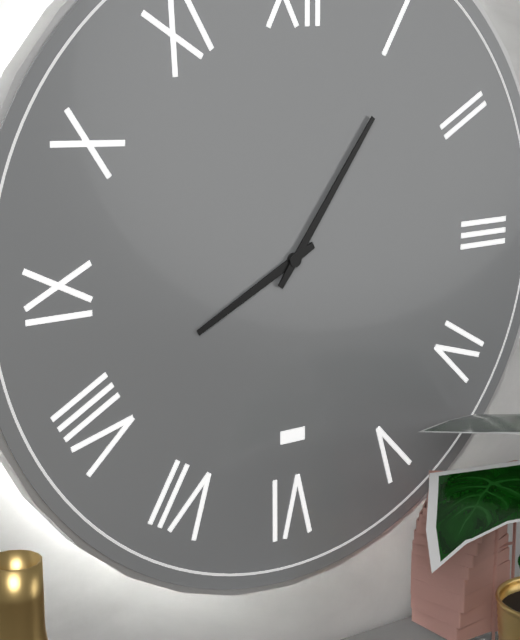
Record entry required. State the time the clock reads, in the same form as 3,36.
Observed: 8,06
